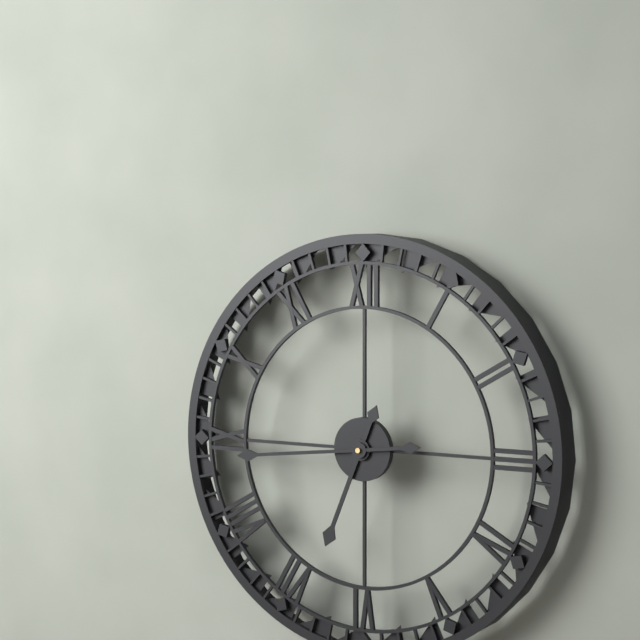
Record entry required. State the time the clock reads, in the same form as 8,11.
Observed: 6,44
